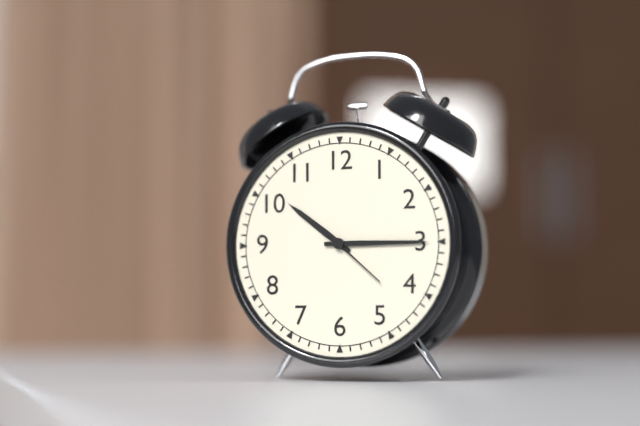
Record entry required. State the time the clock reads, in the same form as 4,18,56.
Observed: 10,15,22
